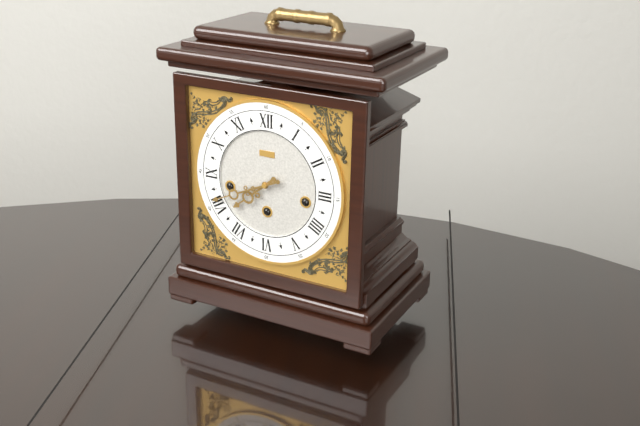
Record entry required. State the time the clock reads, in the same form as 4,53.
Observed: 7,41
